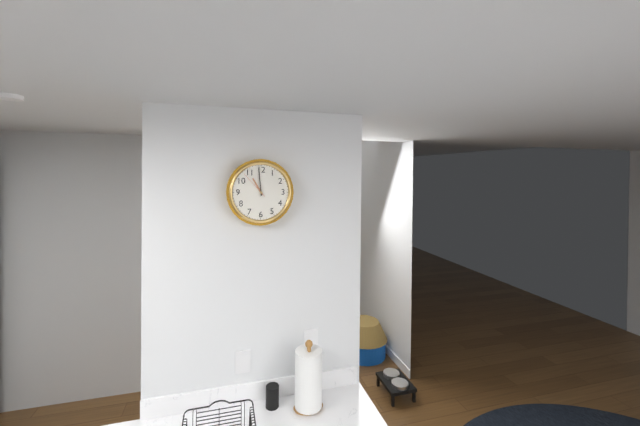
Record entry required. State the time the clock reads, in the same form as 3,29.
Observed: 10,59
